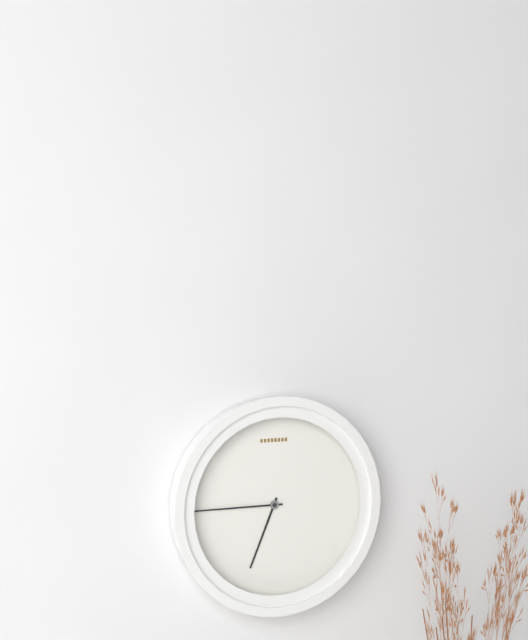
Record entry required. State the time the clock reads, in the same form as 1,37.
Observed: 6,45
